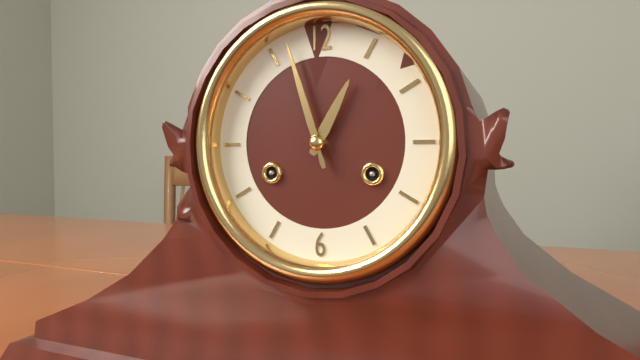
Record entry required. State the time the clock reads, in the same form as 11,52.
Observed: 12,57
